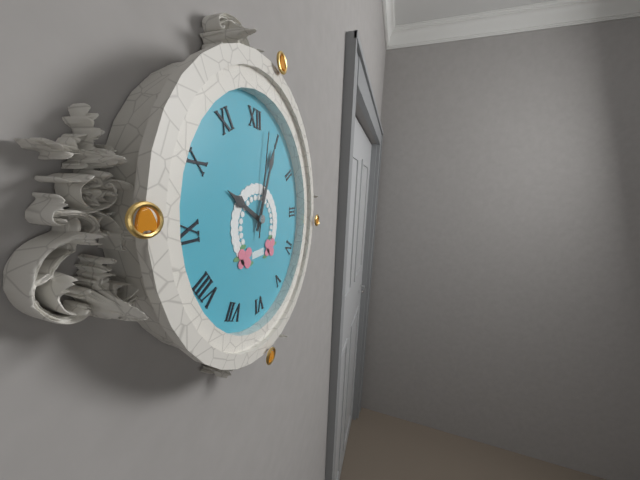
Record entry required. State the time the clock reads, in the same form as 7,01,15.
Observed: 10,04,02
